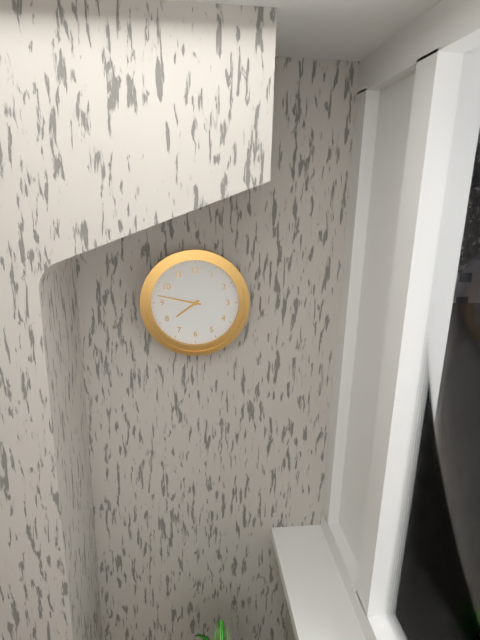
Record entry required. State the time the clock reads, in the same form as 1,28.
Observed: 7,47
